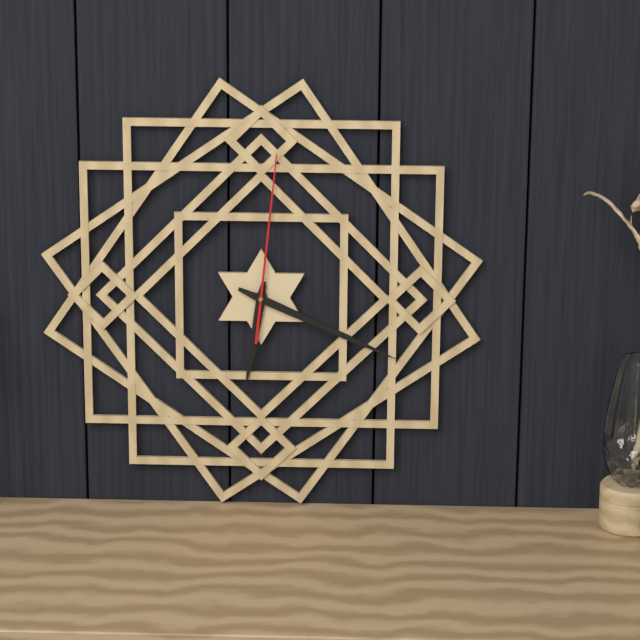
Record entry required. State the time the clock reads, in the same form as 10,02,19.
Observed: 6,19,01
